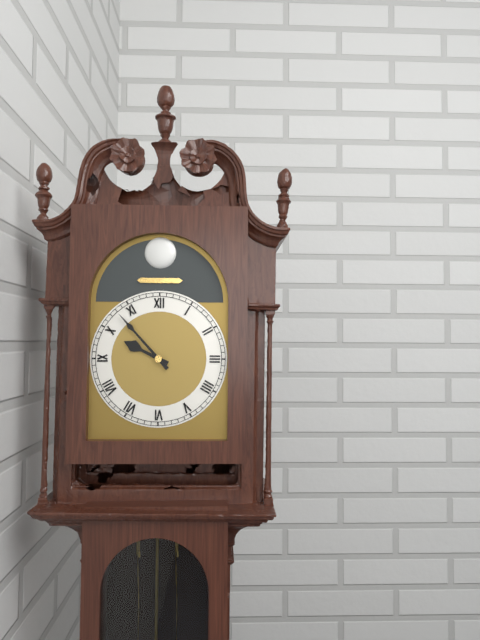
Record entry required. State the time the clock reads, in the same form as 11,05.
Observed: 9,53
